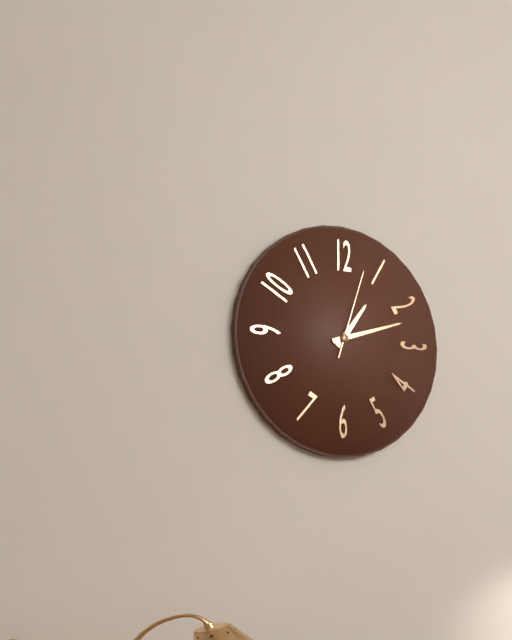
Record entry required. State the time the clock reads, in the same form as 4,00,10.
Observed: 1,12,03
